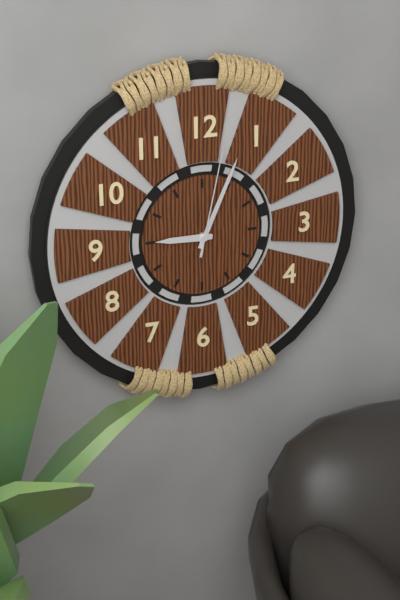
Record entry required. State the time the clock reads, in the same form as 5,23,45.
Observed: 9,04,02
